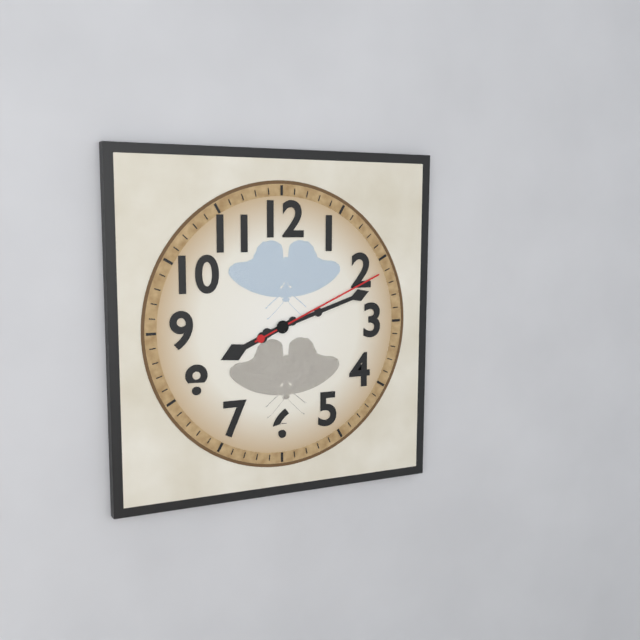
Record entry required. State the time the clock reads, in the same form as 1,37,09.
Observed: 8,12,11
